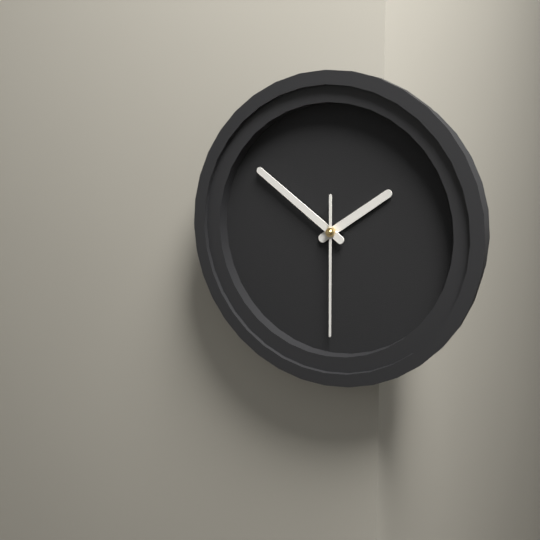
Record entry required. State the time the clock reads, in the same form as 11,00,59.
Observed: 1,51,30
